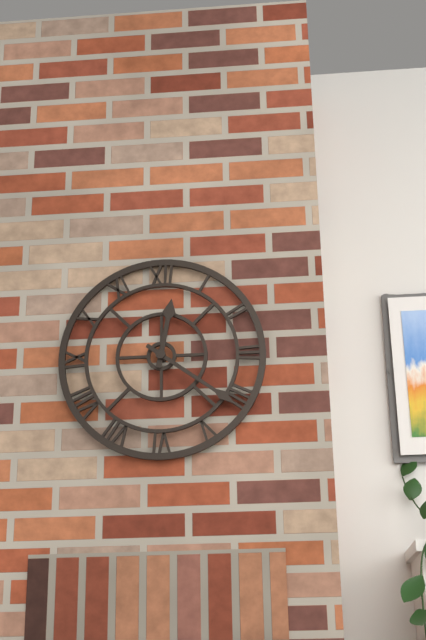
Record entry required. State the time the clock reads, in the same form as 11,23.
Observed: 12,21
